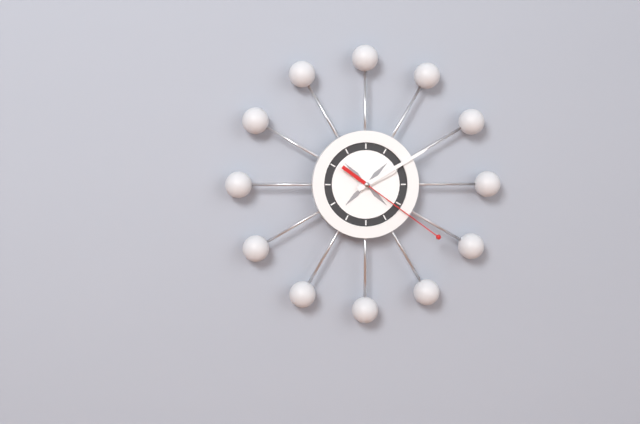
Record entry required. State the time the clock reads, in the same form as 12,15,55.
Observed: 2,10,21
